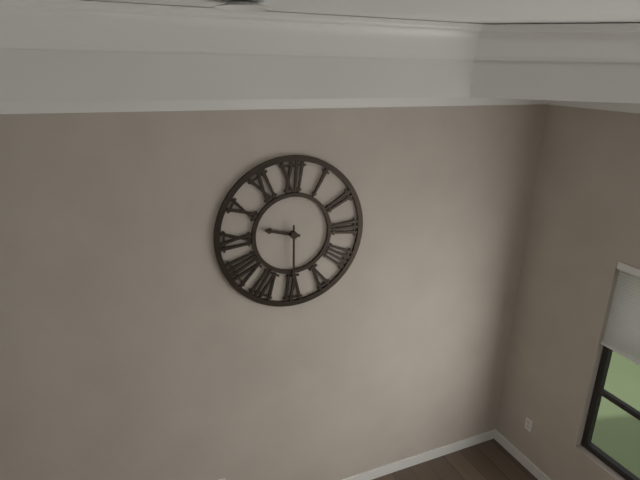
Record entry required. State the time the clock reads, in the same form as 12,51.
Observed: 9,30
